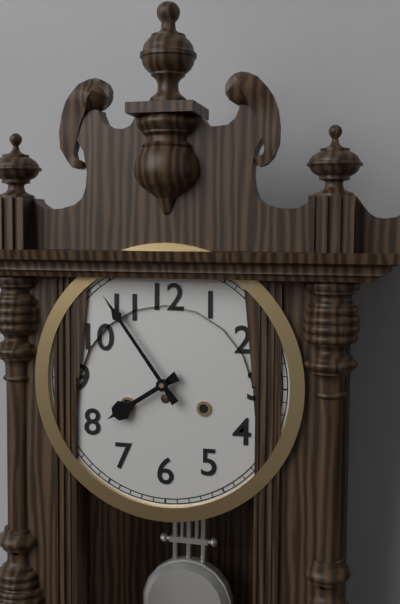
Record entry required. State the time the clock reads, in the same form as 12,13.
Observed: 7,54
